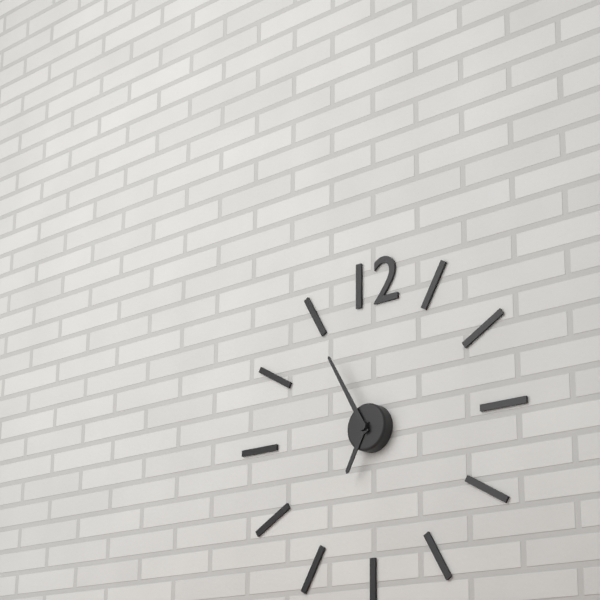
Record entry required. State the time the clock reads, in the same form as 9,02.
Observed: 6,55
